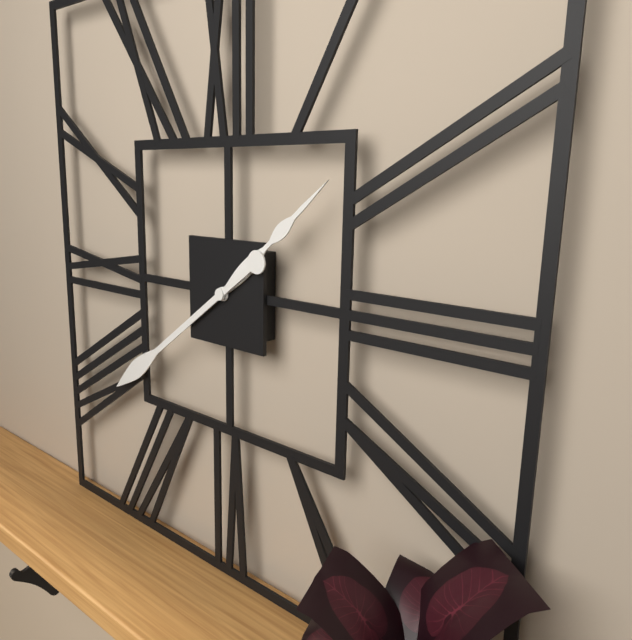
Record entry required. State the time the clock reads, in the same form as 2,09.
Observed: 1,39
